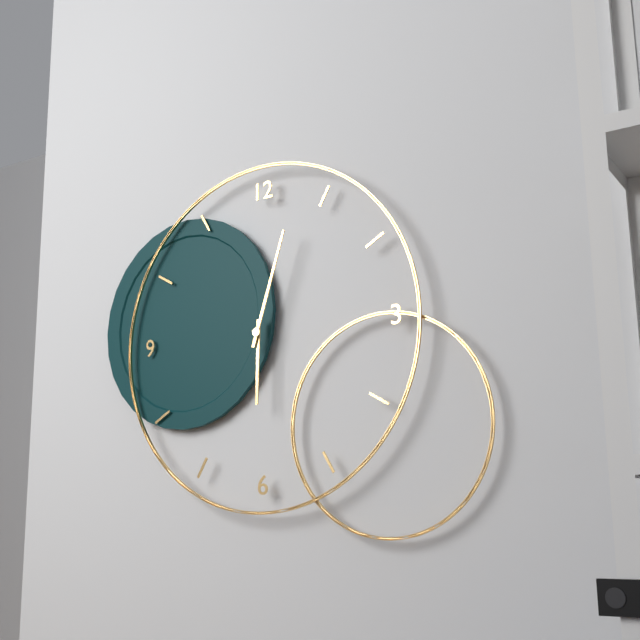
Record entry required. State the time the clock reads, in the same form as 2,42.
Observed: 6,03
